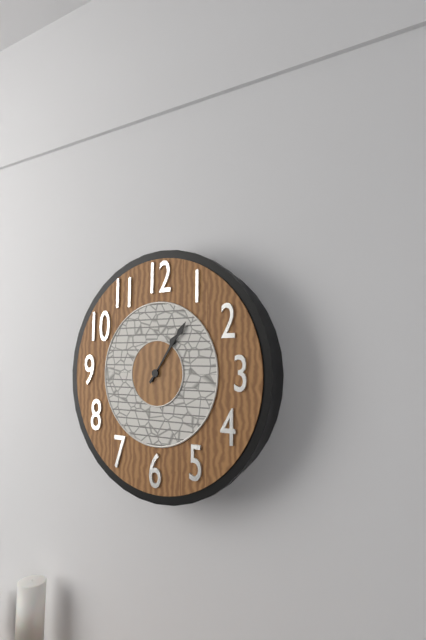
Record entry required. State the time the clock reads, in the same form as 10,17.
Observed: 1,06
